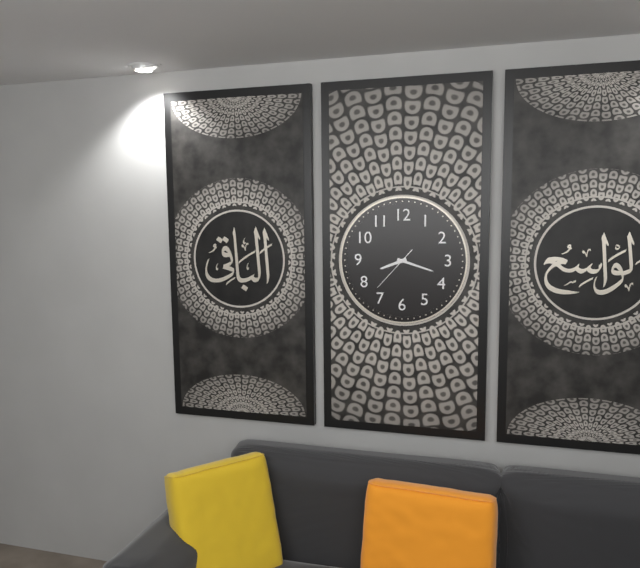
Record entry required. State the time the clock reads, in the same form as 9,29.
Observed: 8,18
